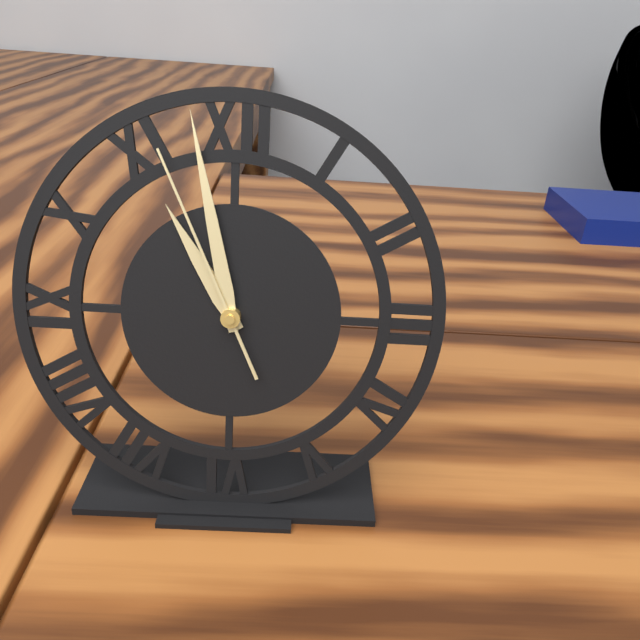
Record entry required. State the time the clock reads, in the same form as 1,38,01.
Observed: 10,58,56
